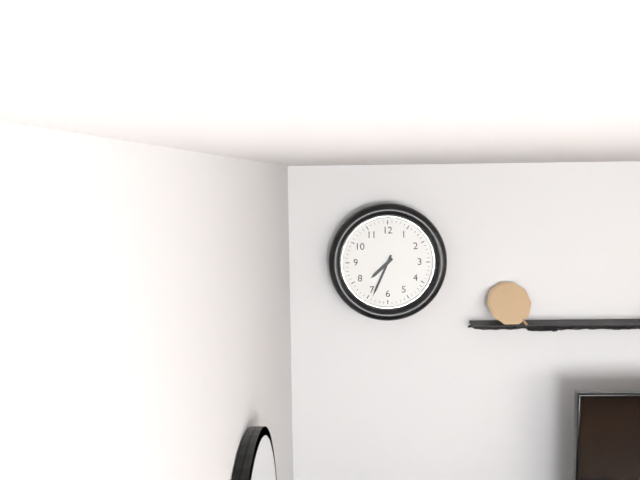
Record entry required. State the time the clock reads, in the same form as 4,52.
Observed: 7,34
